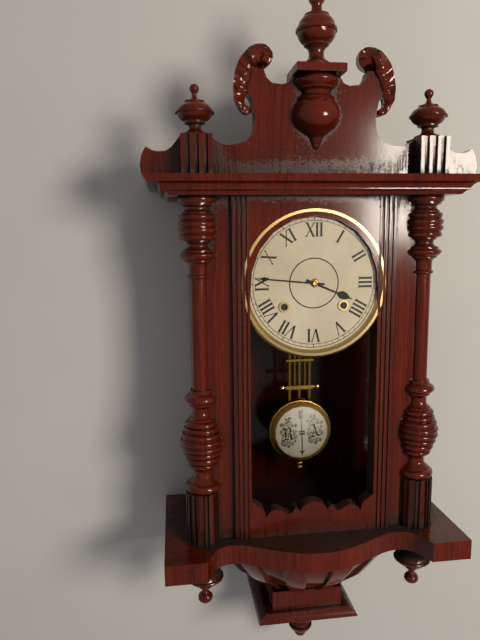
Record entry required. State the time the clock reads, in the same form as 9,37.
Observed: 3,46
